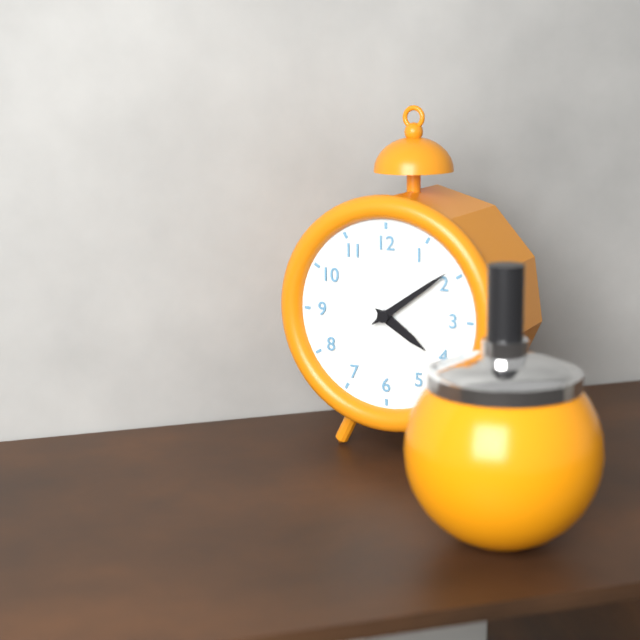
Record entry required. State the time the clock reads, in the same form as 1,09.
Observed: 4,09
